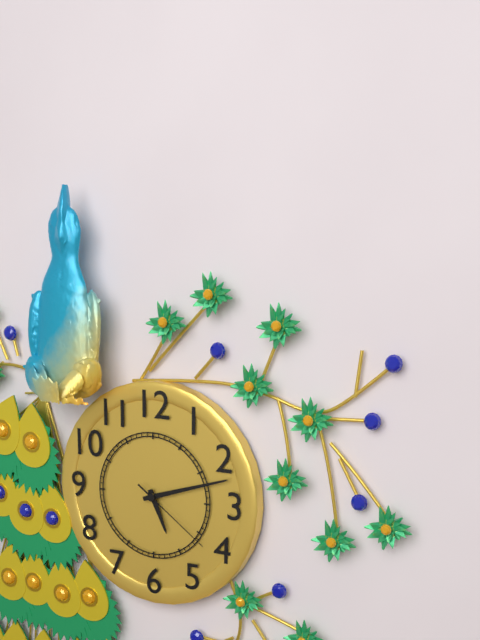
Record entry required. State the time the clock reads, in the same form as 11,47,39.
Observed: 5,12,21
